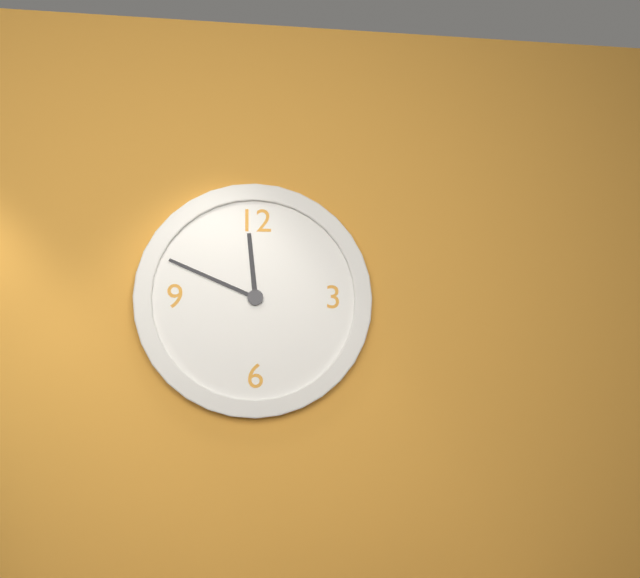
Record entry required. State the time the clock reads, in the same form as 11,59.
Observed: 11,49
